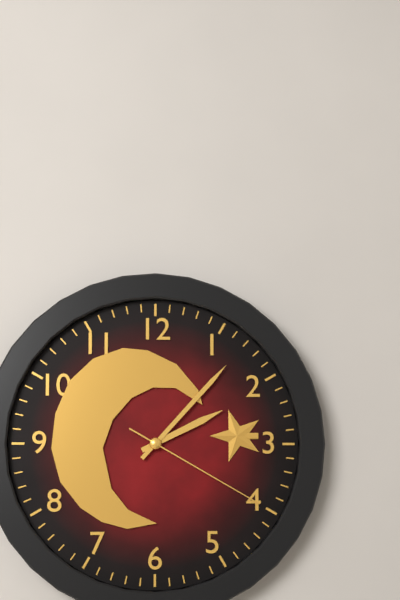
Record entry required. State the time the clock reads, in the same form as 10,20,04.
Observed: 2,07,20
